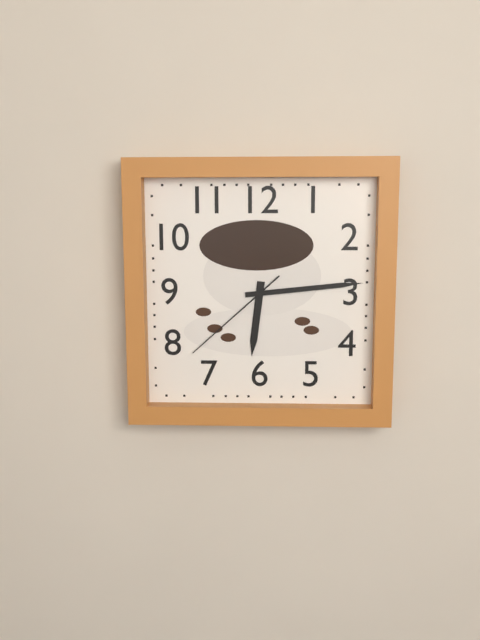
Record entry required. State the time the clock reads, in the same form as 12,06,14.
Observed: 6,14,38
